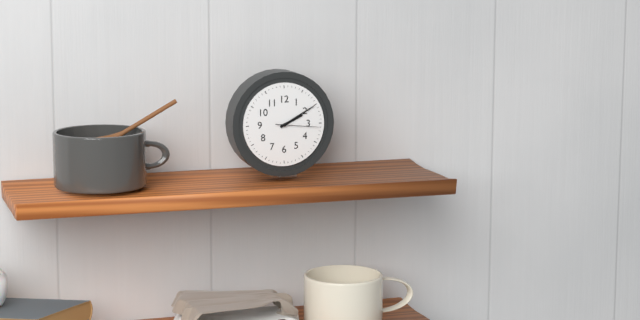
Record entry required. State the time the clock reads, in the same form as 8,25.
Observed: 2,10
